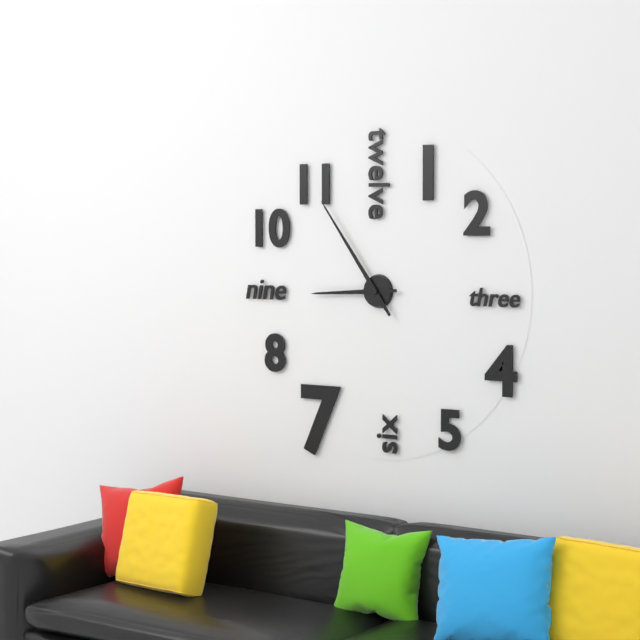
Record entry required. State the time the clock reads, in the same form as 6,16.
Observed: 8,54
